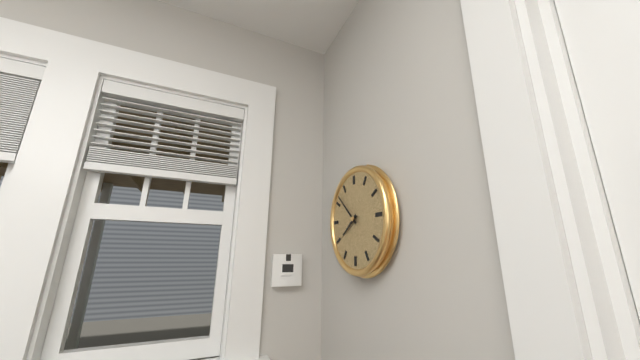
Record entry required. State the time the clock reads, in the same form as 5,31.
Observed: 7,52
